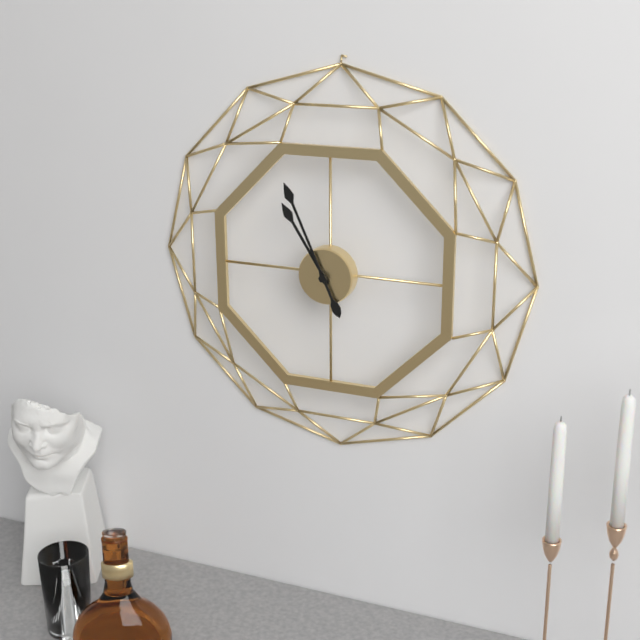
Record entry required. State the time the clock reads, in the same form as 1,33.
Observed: 10,56
